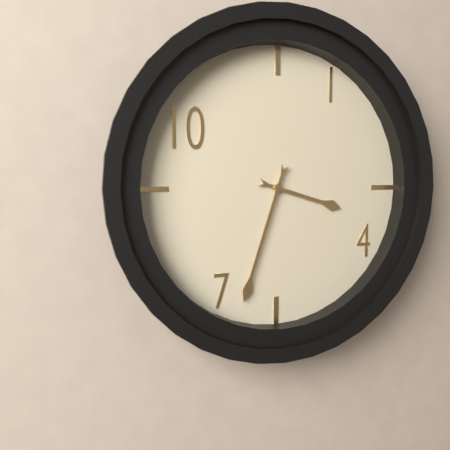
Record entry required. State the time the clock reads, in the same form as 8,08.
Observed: 3,33
